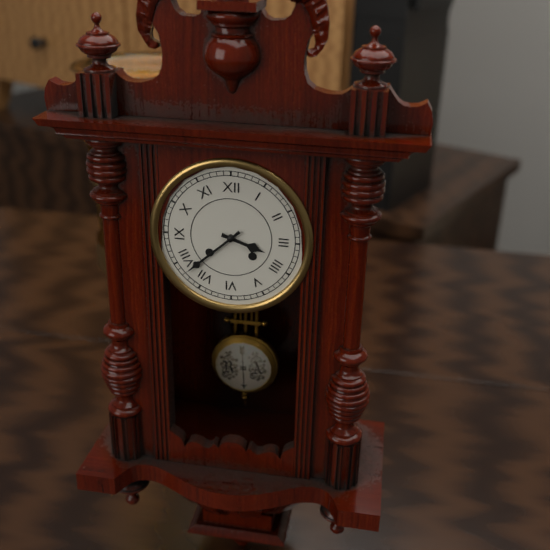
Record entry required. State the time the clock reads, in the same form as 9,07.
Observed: 3,38
